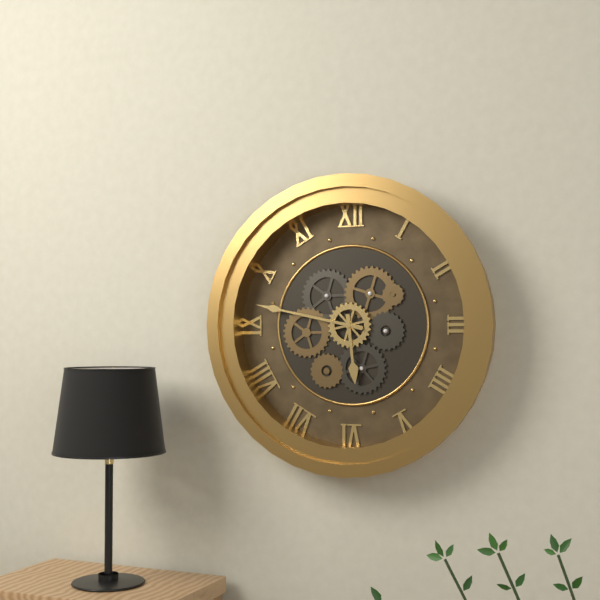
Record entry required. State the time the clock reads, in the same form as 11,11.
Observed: 5,47
